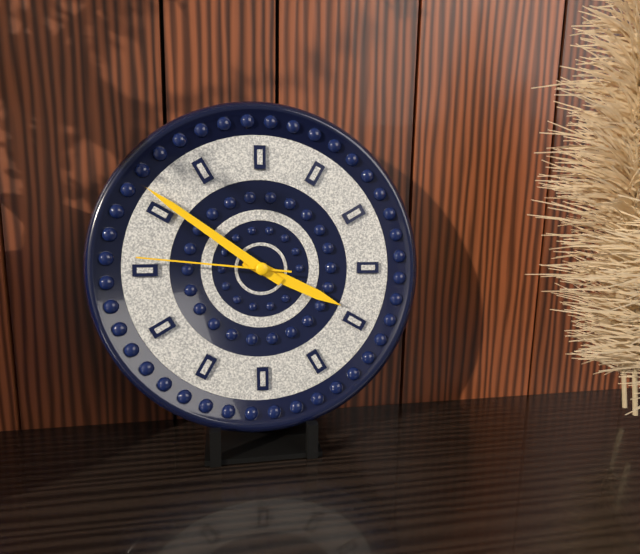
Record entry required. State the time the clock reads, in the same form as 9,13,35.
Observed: 3,51,46
